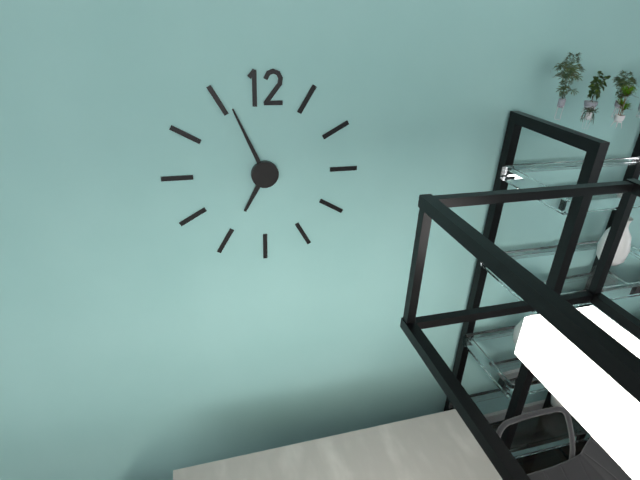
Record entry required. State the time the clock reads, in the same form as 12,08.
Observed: 6,56
